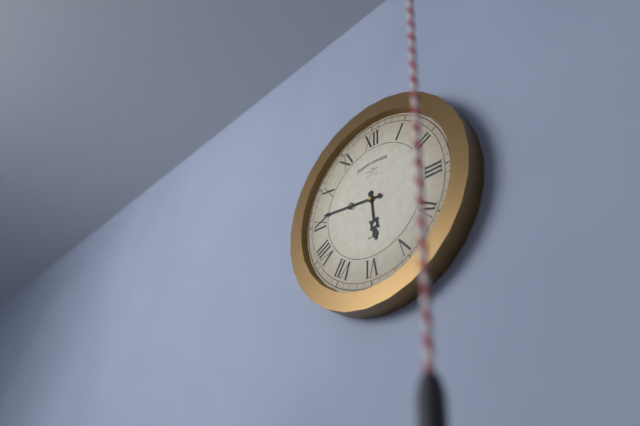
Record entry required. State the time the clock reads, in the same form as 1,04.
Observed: 5,46
